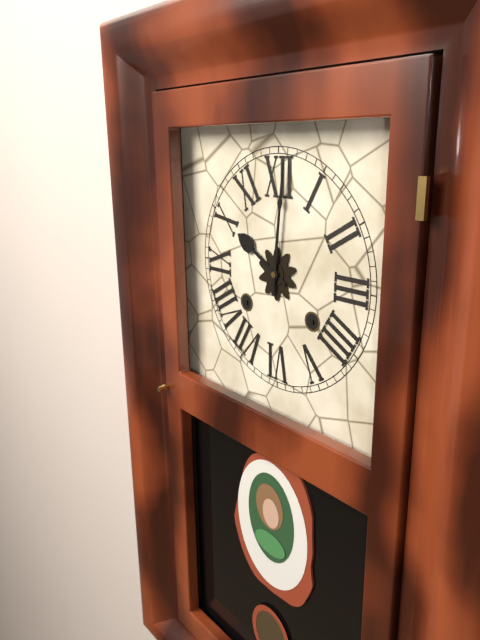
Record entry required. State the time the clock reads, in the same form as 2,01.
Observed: 10,01
